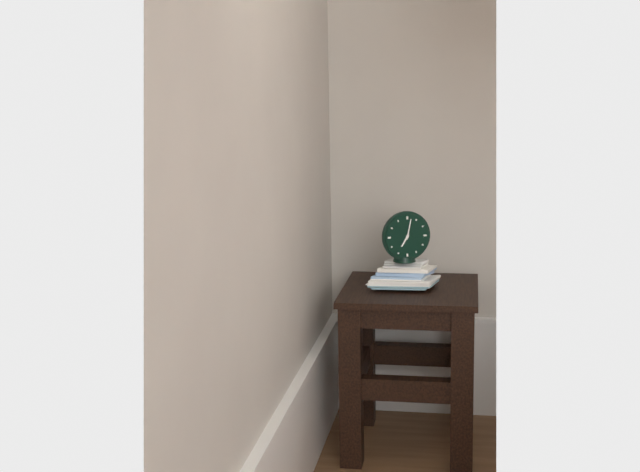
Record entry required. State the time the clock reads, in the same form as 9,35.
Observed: 7,02
